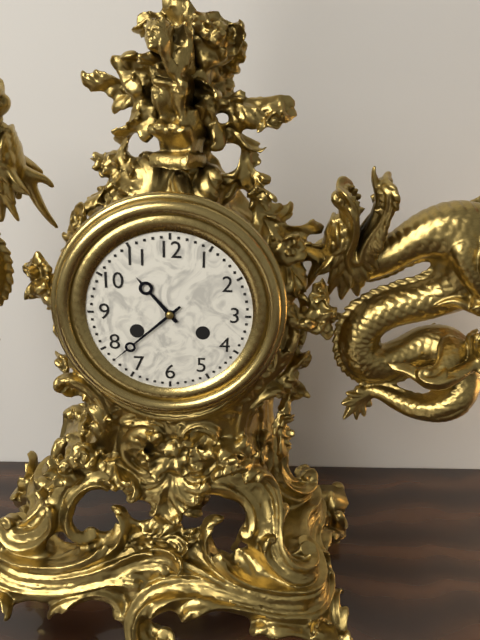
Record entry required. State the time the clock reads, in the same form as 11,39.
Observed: 10,38
